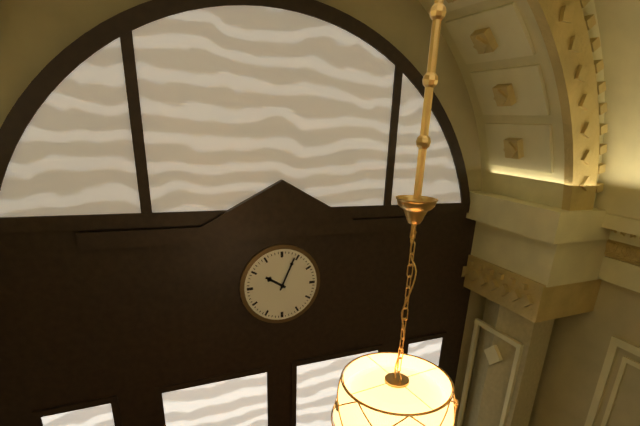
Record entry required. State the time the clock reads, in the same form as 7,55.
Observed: 10,04
